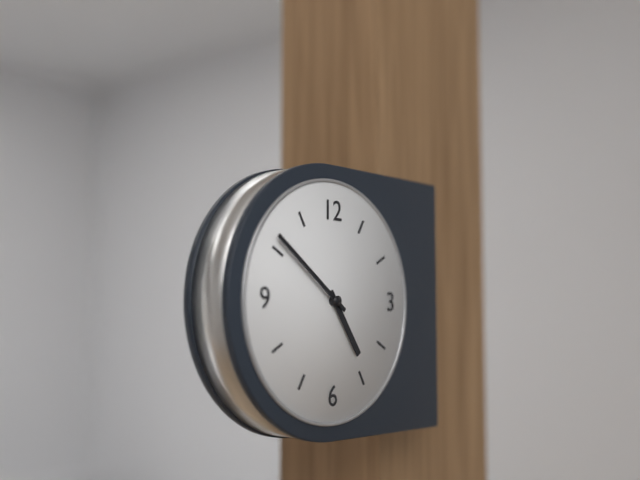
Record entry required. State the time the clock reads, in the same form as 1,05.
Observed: 4,51
